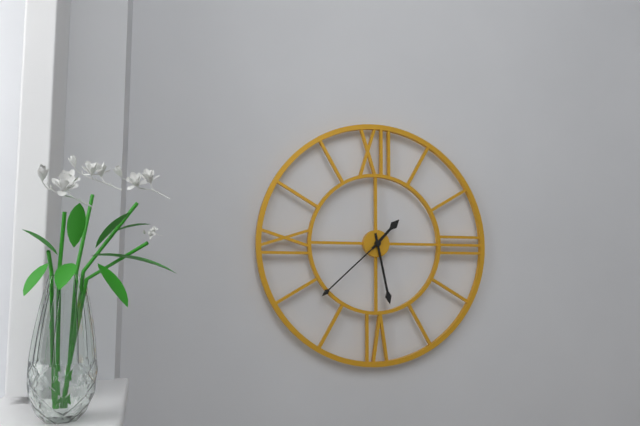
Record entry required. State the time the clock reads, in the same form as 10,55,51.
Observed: 1,28,38
